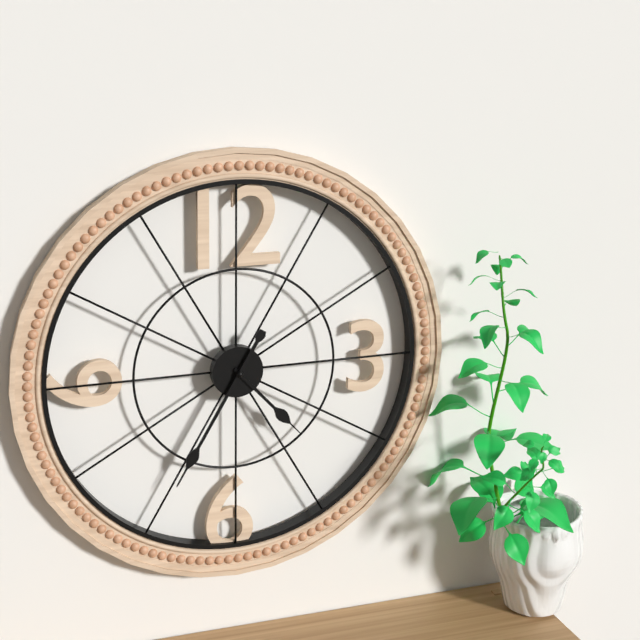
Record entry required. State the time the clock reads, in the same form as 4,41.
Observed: 4,35
